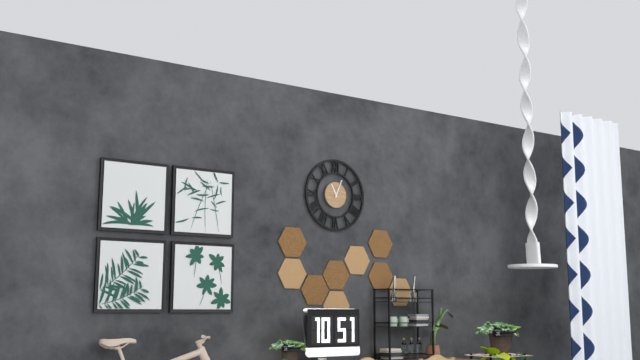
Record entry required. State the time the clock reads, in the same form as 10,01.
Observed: 11,04
